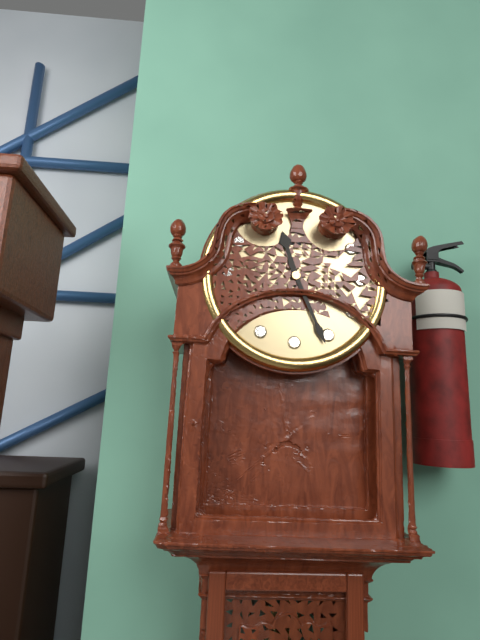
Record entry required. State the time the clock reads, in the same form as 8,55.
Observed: 11,26
